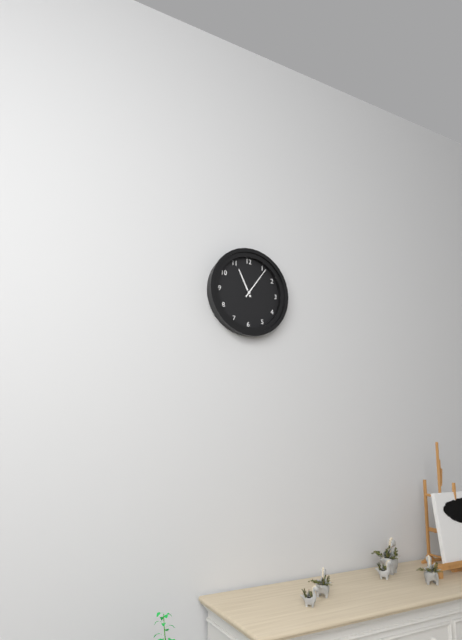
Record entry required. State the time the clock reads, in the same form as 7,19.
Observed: 11,06
